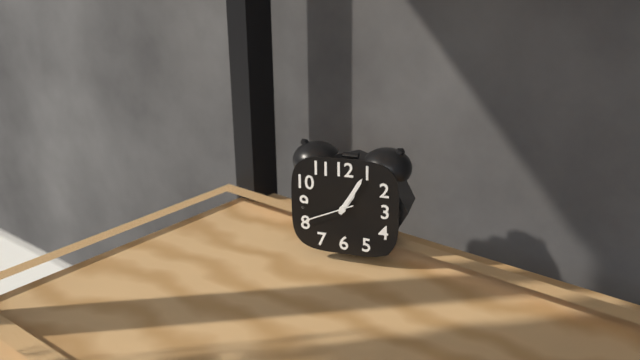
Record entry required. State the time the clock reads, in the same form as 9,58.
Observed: 1,05
